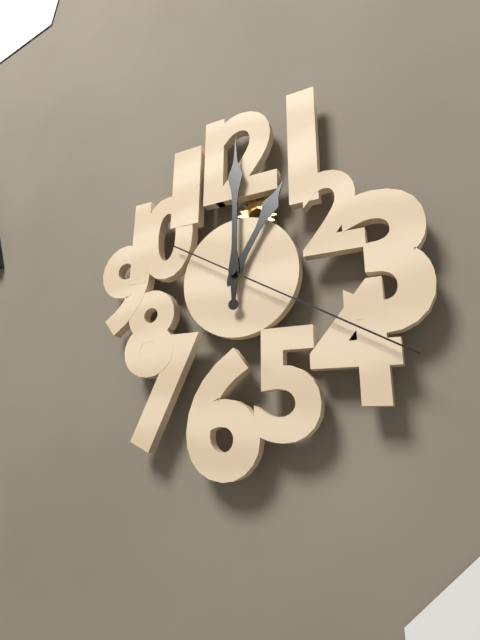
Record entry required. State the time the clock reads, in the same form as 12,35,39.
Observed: 1,00,20
